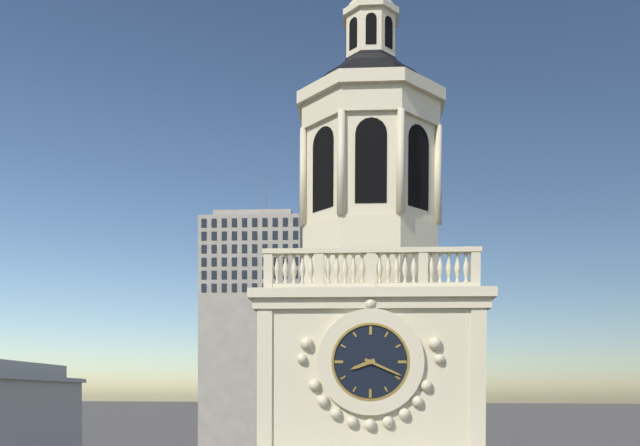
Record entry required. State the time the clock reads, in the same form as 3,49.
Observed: 8,19
